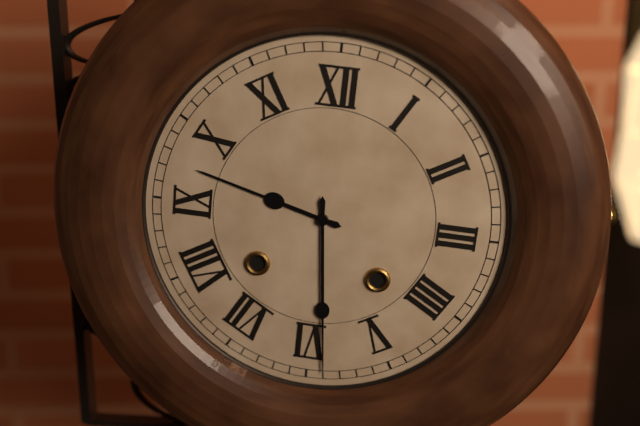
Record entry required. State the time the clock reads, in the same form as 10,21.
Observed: 9,29
